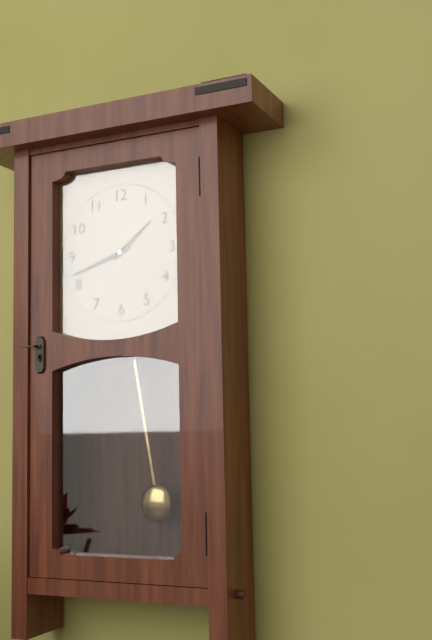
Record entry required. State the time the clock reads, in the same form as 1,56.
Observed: 1,42
